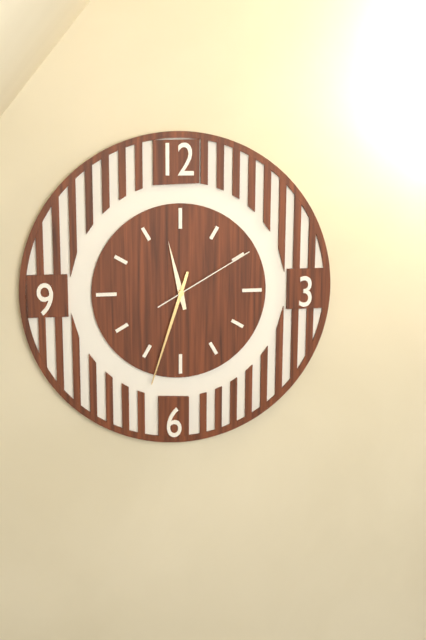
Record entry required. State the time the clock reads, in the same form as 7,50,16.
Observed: 11,33,10
